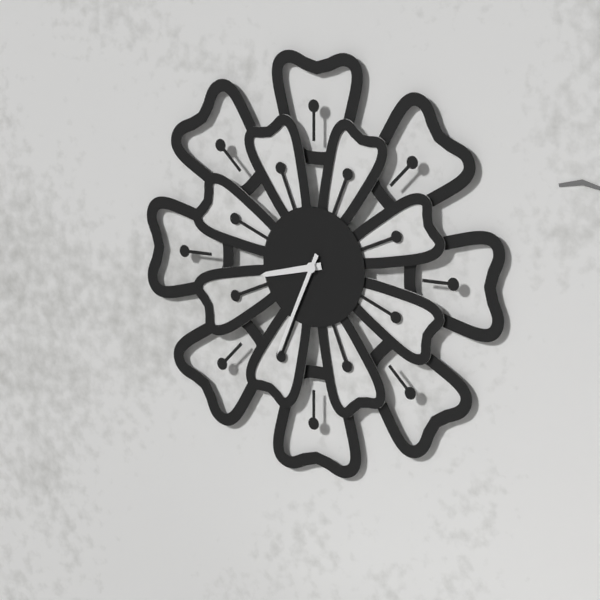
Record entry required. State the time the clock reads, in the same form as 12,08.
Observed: 8,34
